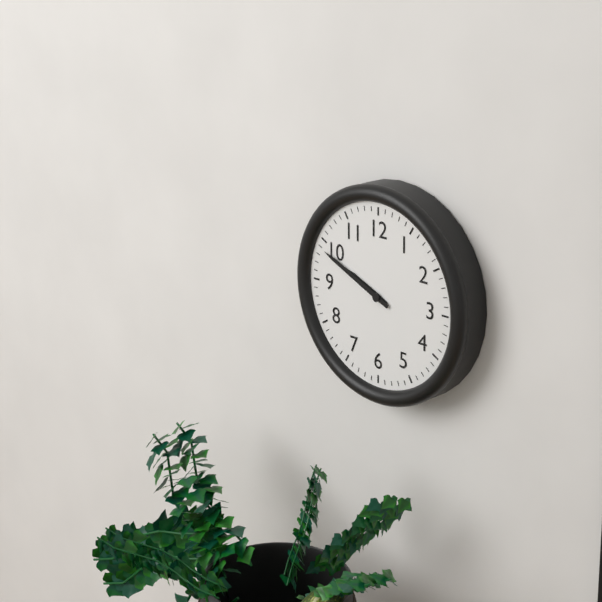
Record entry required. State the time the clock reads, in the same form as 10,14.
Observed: 9,49
